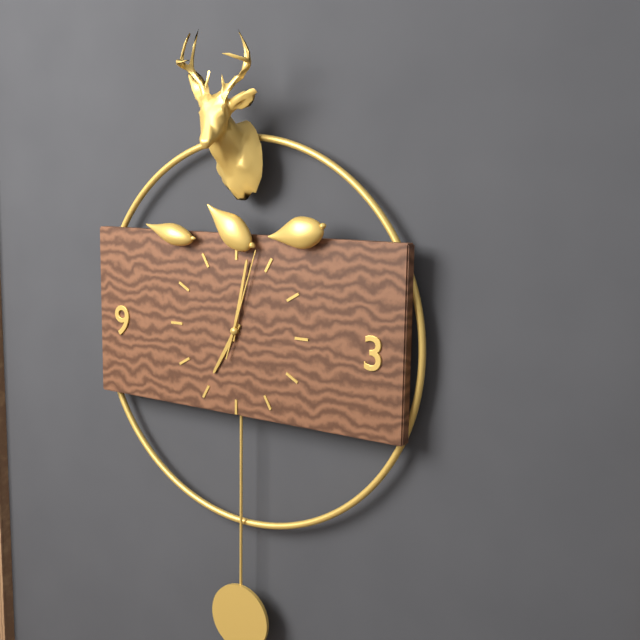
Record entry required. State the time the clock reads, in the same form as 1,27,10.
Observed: 7,02,03
